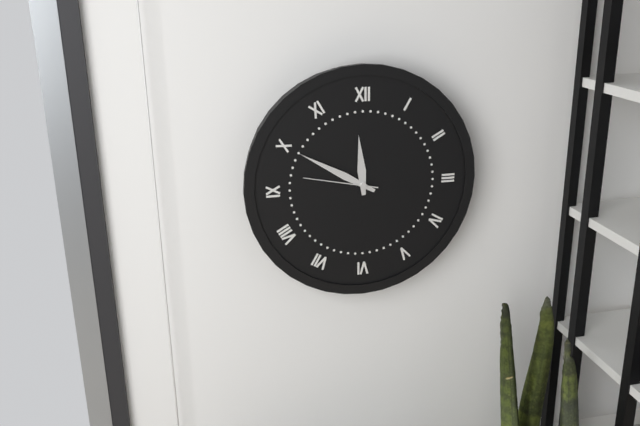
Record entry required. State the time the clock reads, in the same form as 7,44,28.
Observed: 11,50,47
